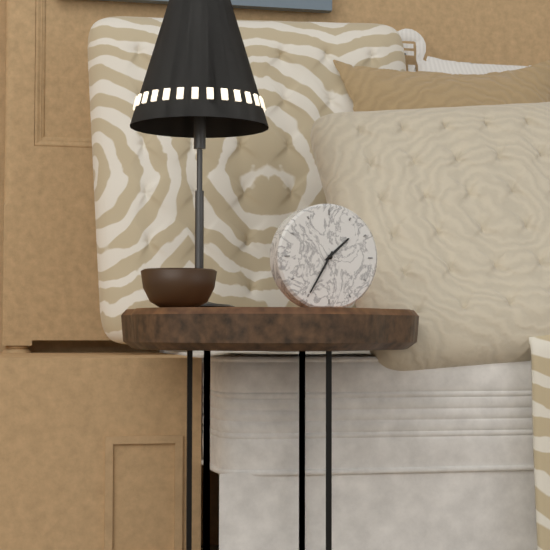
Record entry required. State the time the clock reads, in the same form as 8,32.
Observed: 1,35
